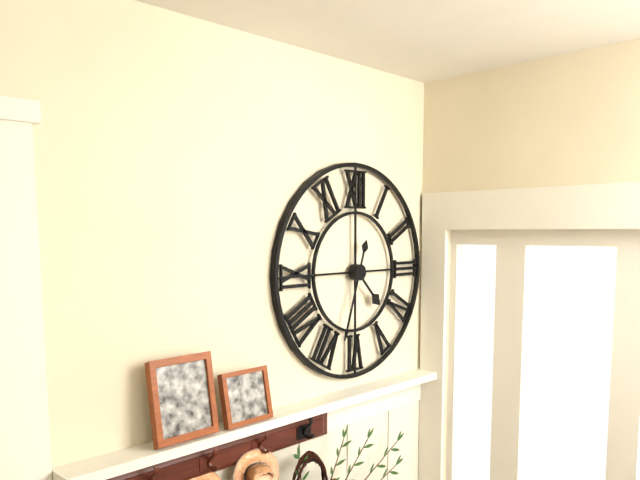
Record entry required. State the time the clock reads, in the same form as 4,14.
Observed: 4,33
